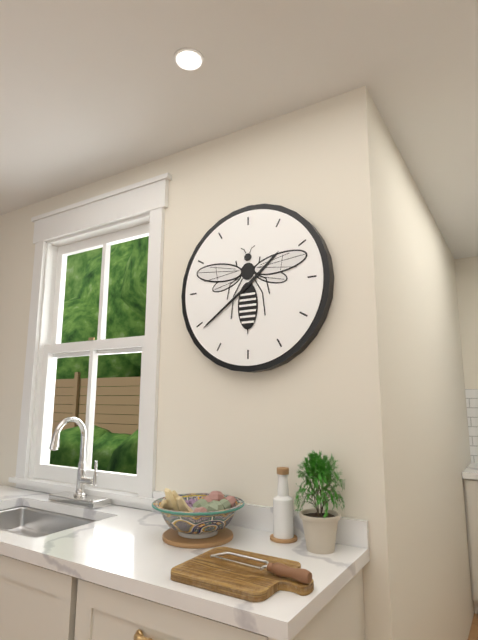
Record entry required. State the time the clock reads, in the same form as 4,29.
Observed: 1,39
